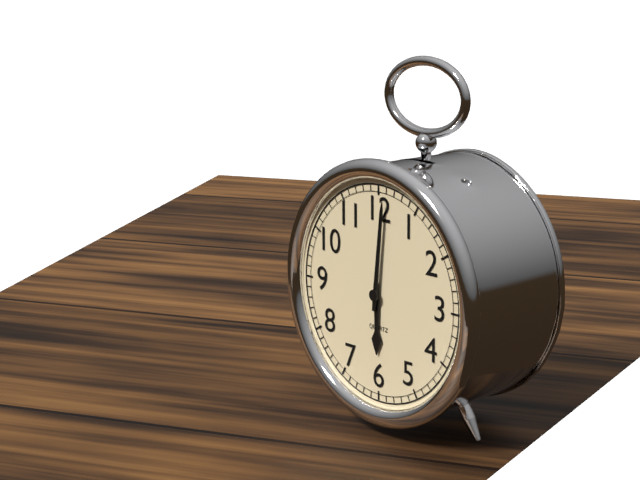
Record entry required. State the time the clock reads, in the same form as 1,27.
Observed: 6,01
